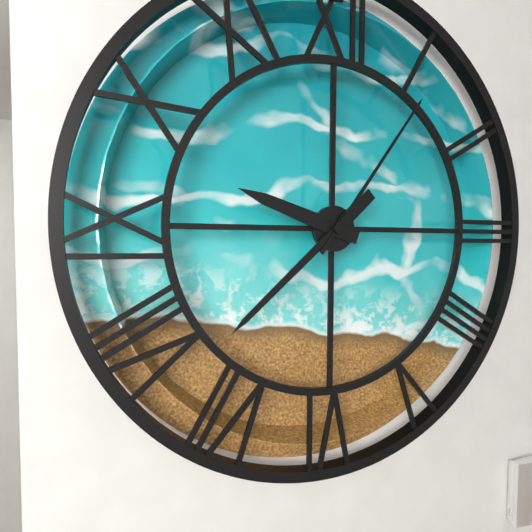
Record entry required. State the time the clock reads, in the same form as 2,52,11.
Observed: 9,38,06
